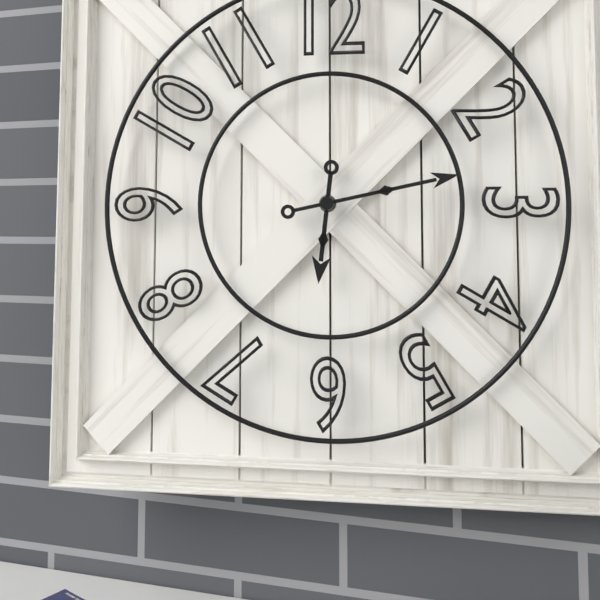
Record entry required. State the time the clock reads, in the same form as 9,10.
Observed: 6,13
